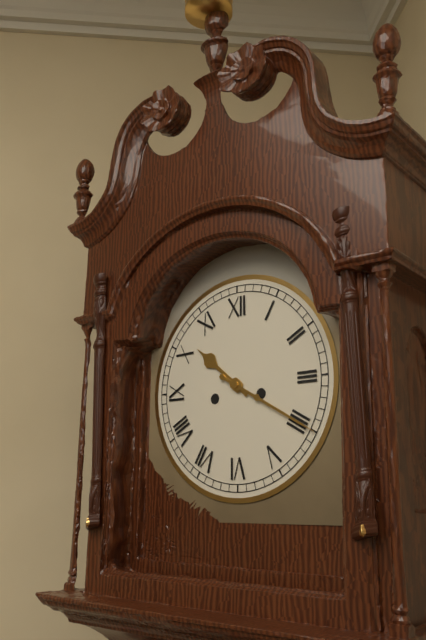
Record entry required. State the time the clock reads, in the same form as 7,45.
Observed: 10,20
